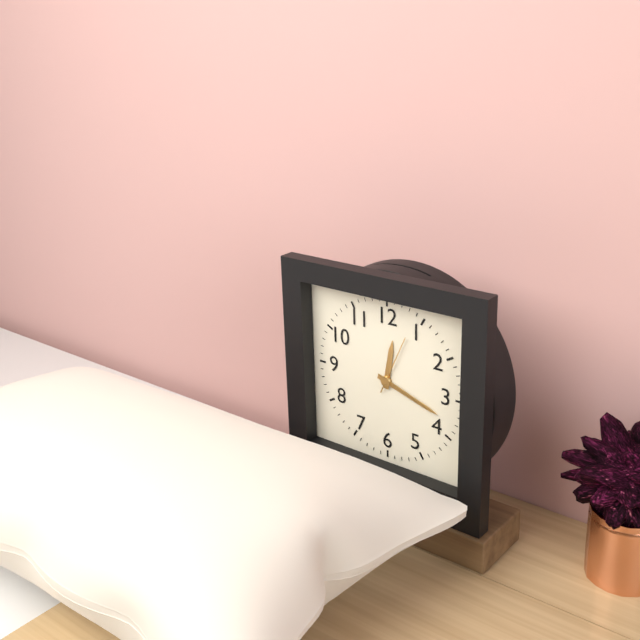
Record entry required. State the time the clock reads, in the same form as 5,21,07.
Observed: 12,18,04
